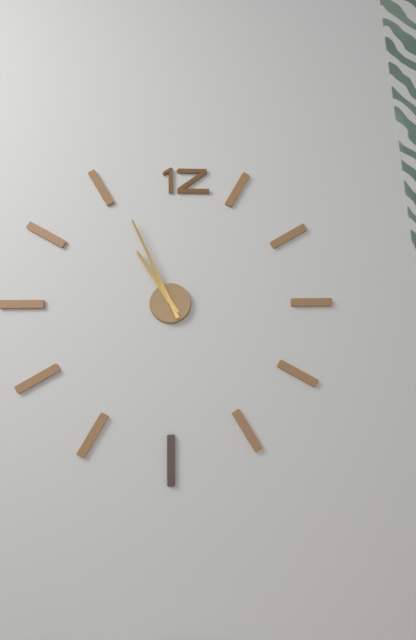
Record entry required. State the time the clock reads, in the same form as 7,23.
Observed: 10,56
